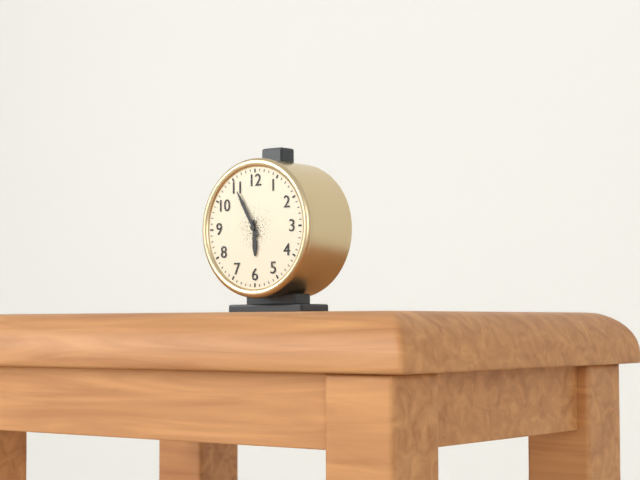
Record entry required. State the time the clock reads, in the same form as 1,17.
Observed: 5,55
